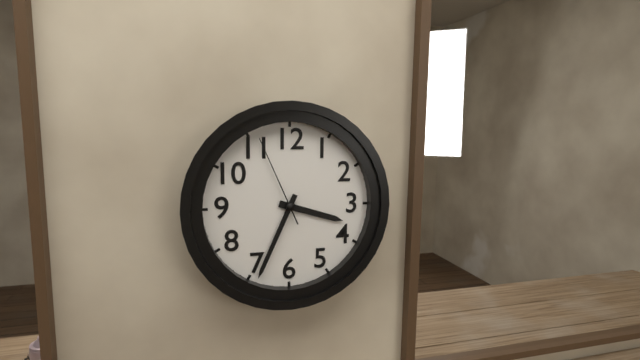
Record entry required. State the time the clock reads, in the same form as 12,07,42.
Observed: 3,34,56
